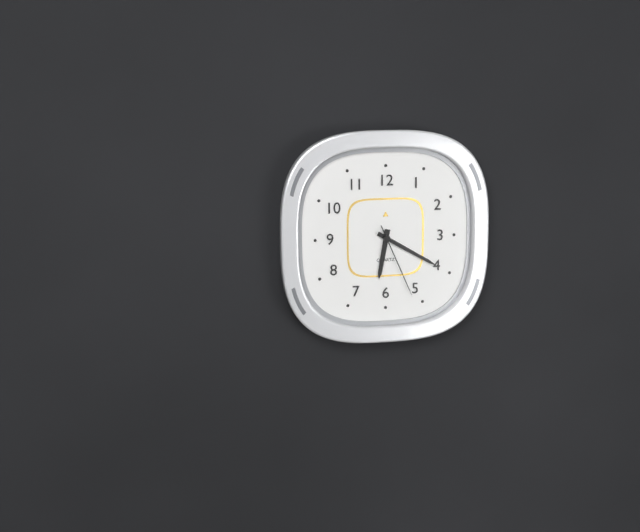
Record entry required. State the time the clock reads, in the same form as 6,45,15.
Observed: 6,20,26
